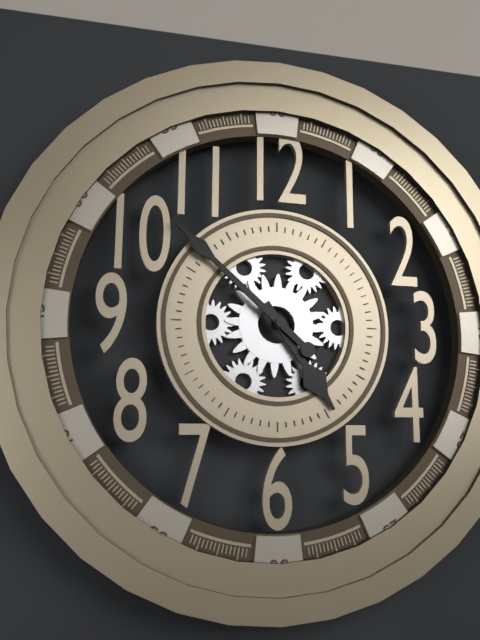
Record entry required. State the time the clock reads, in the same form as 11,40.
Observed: 4,52
